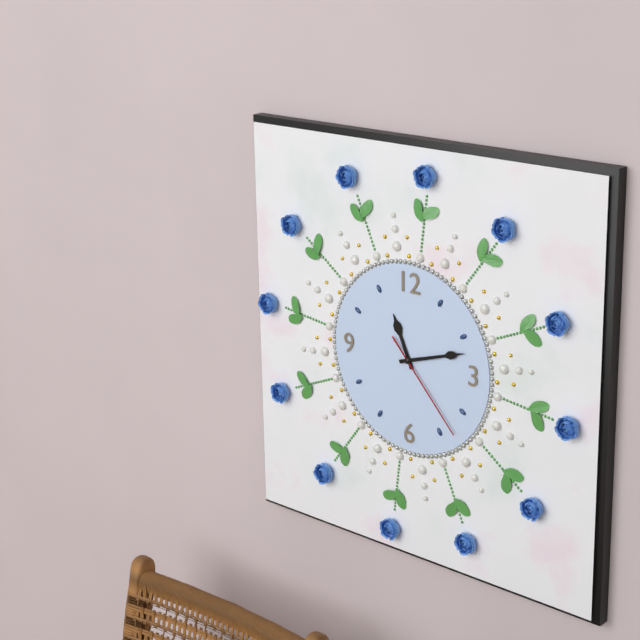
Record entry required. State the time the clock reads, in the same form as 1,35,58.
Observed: 11,12,23
